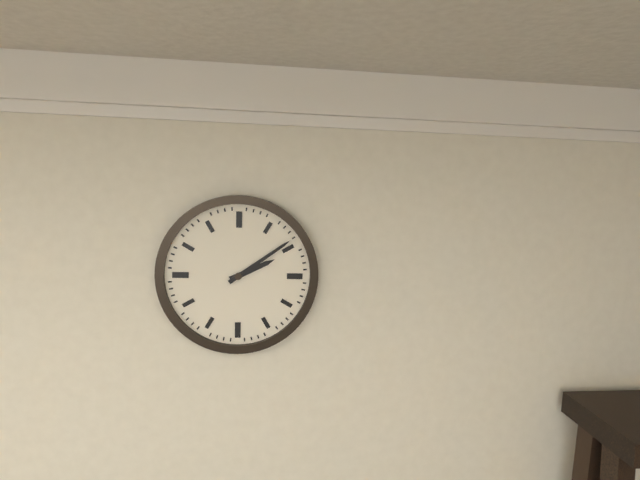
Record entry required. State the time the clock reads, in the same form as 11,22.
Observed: 2,09
